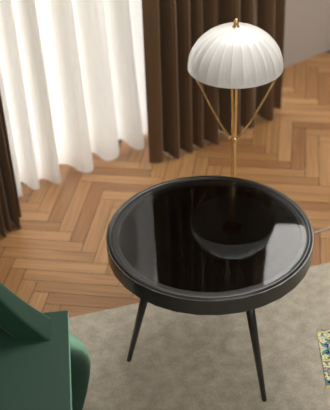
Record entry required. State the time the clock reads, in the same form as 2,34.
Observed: 3,26
